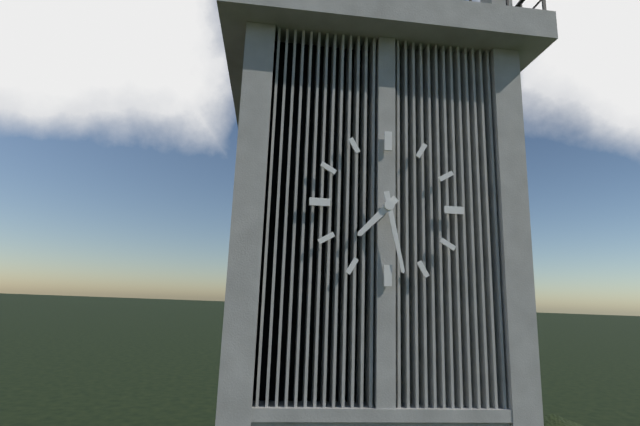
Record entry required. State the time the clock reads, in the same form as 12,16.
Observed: 7,28
